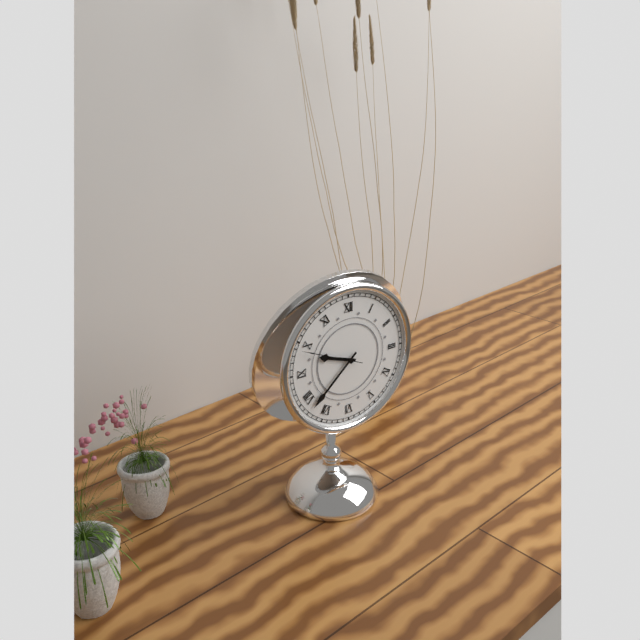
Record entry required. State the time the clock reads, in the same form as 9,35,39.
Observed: 9,38,49
